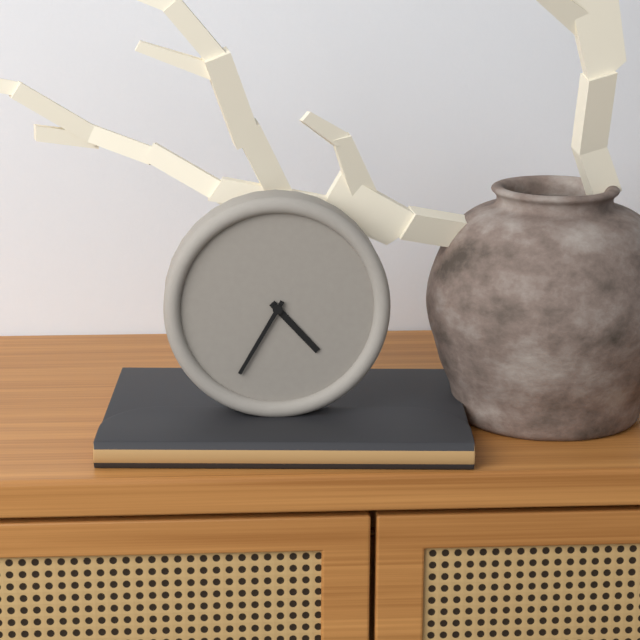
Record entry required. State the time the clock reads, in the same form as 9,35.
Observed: 4,35
